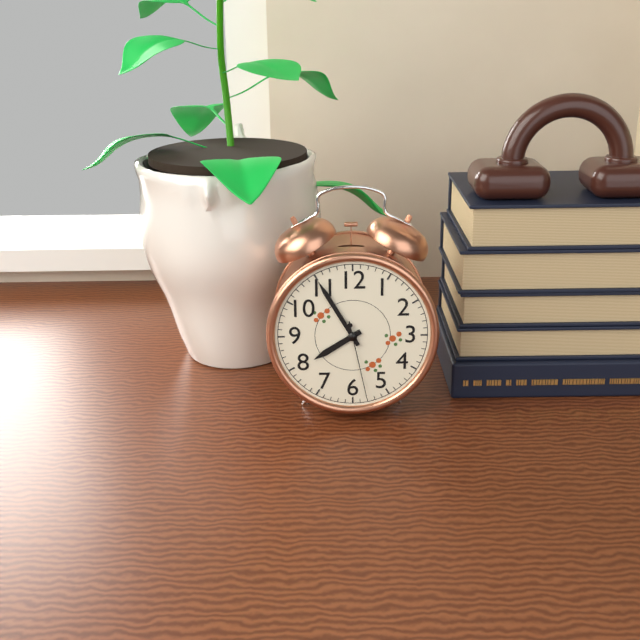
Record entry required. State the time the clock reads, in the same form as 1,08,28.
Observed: 7,55,28
